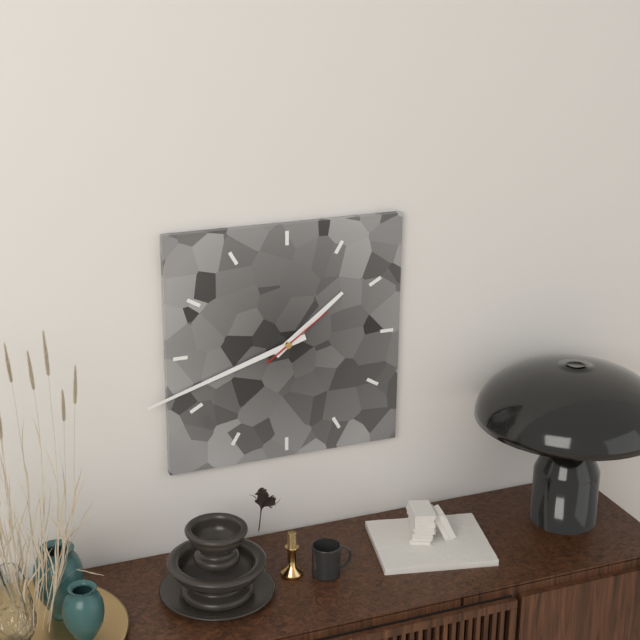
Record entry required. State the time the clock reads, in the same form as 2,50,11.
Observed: 1,42,09
